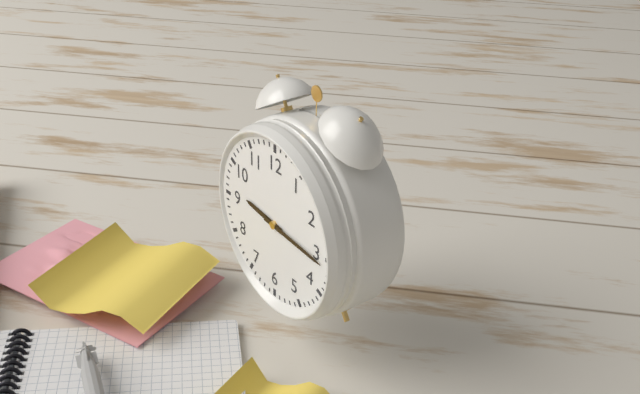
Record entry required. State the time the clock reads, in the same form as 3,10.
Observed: 9,16
